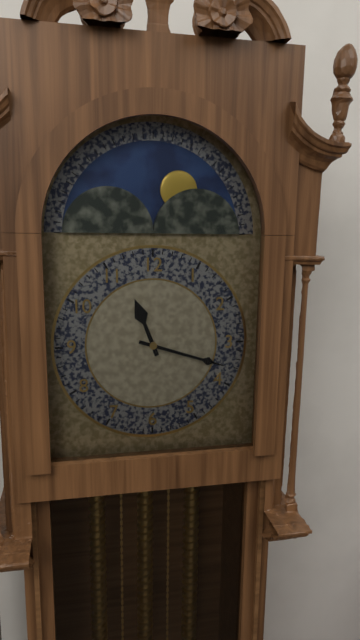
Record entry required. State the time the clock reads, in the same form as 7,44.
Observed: 11,18
